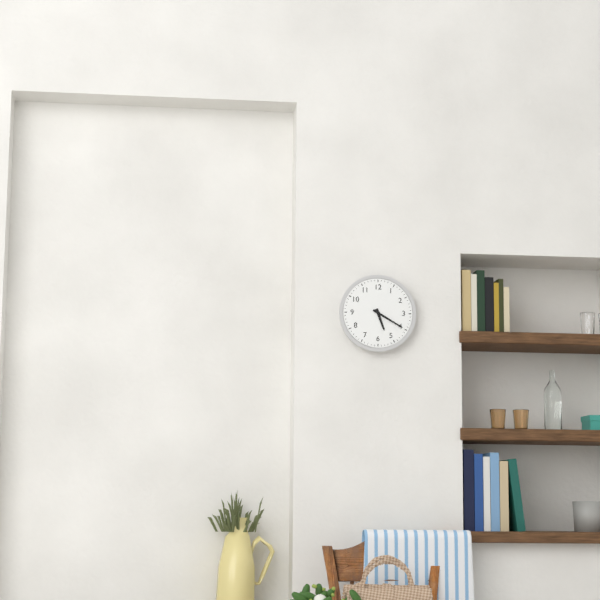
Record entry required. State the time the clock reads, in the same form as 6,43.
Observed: 5,20
